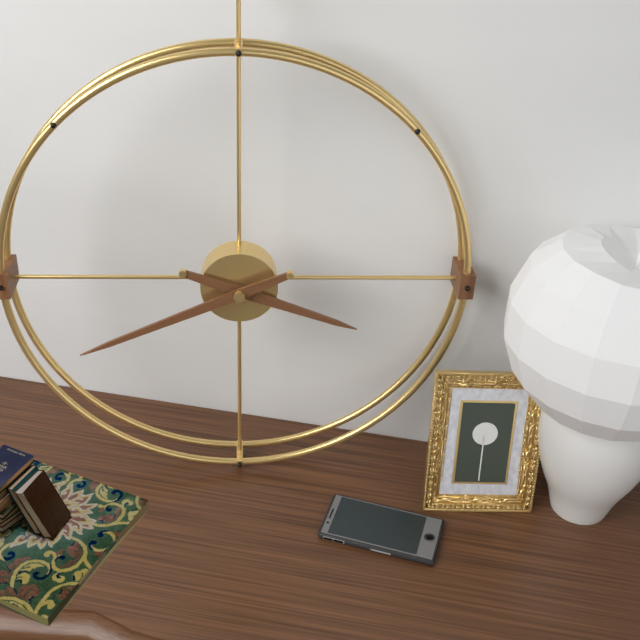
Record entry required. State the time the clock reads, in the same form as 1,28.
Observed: 3,41
